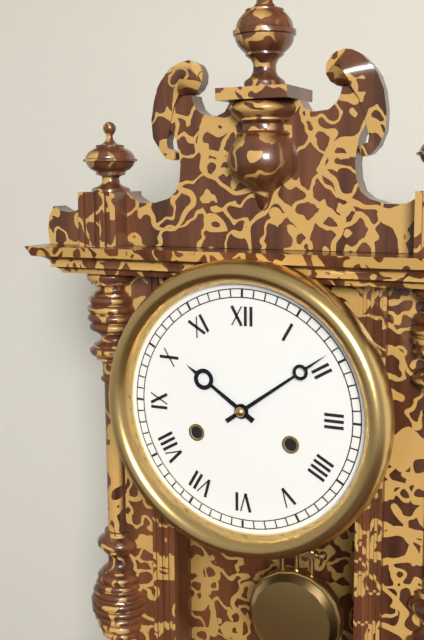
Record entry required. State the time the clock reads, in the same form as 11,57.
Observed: 10,09
